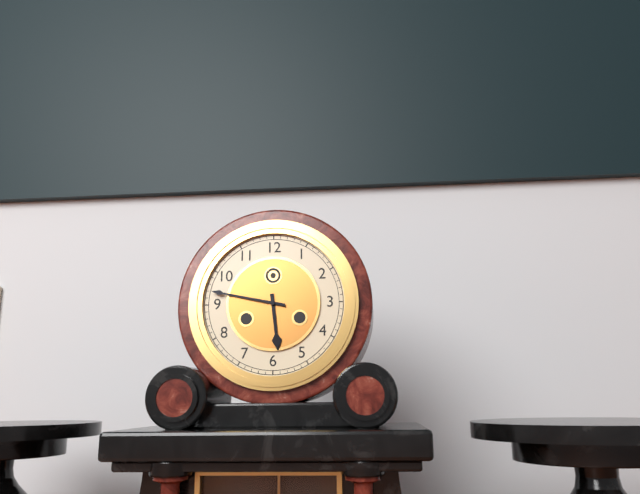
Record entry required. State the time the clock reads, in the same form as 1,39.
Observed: 5,47
